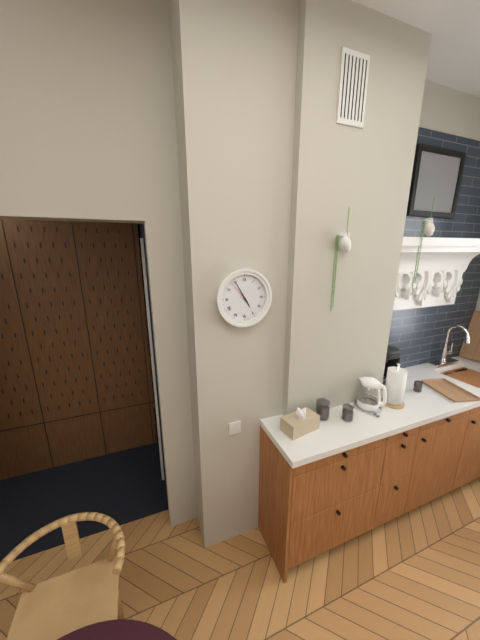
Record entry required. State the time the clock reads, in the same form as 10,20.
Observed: 4,55
